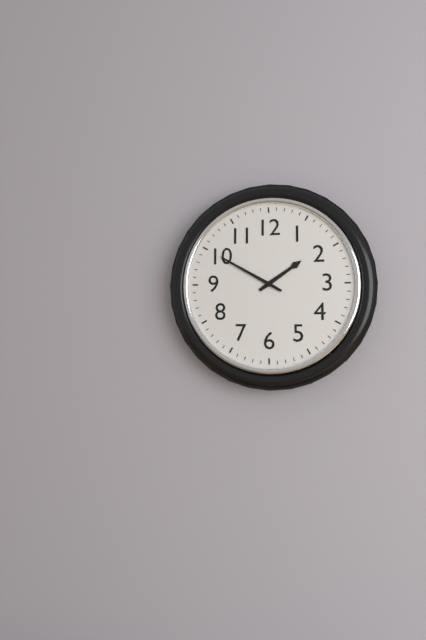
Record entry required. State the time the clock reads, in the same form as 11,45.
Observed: 1,50
